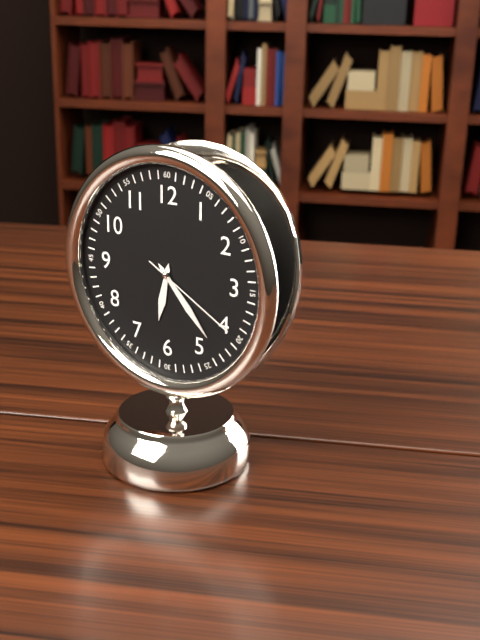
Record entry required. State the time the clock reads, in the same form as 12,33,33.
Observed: 6,23,20
